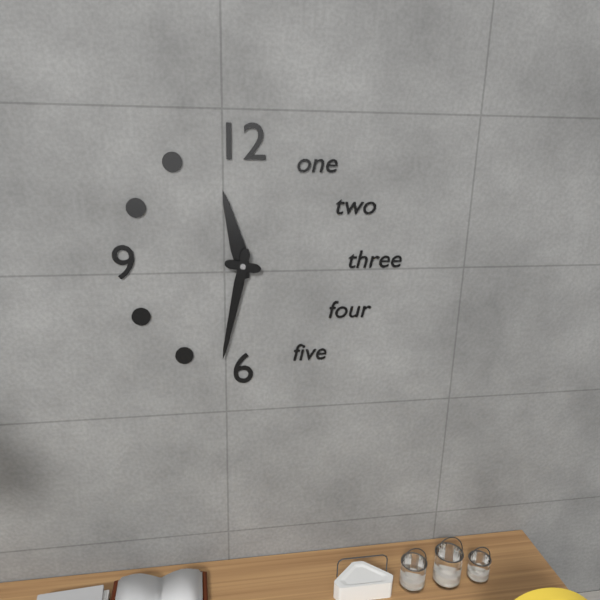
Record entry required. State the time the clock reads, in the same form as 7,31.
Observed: 11,32
